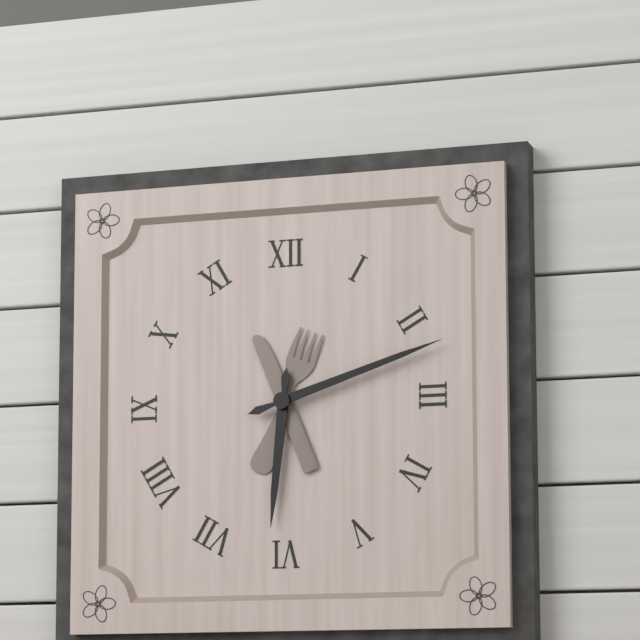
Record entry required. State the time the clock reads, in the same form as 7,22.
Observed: 6,12
